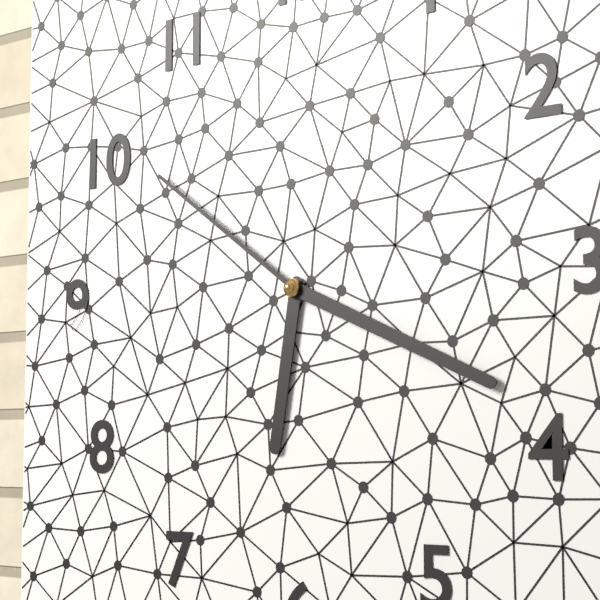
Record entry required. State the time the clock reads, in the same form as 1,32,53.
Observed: 6,19,51
